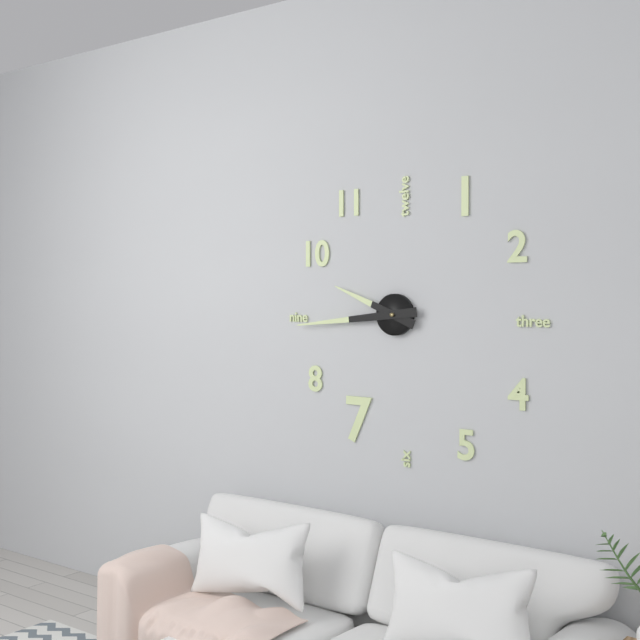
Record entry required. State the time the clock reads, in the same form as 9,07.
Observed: 9,44
